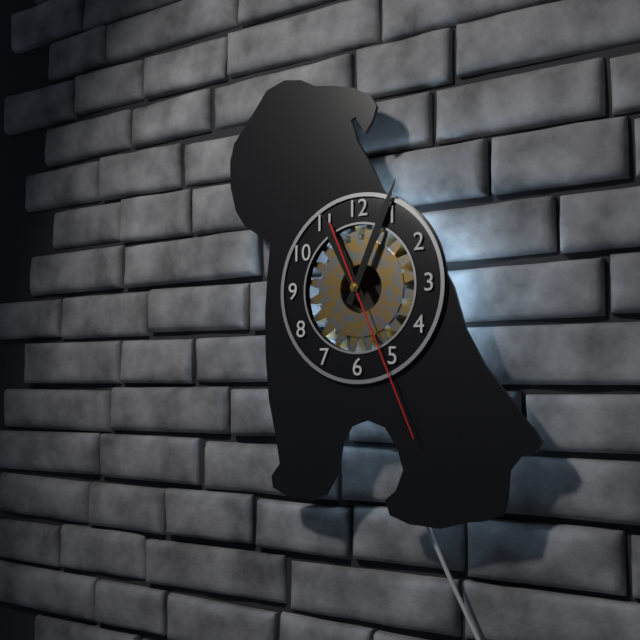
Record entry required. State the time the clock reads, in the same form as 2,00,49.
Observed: 11,04,26
